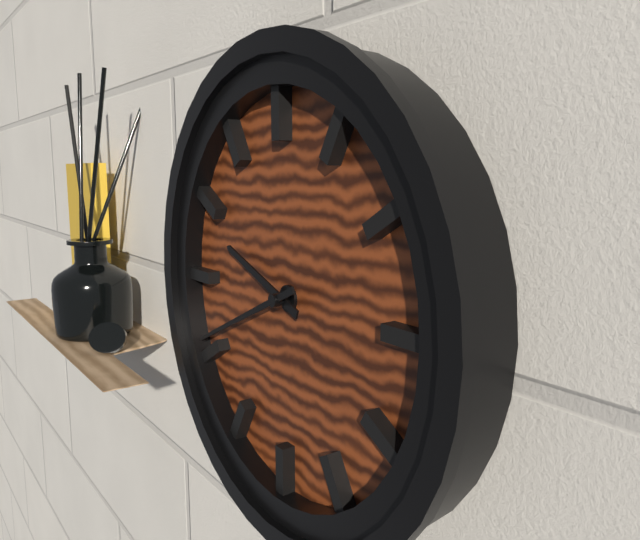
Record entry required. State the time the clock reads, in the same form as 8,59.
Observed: 9,41
